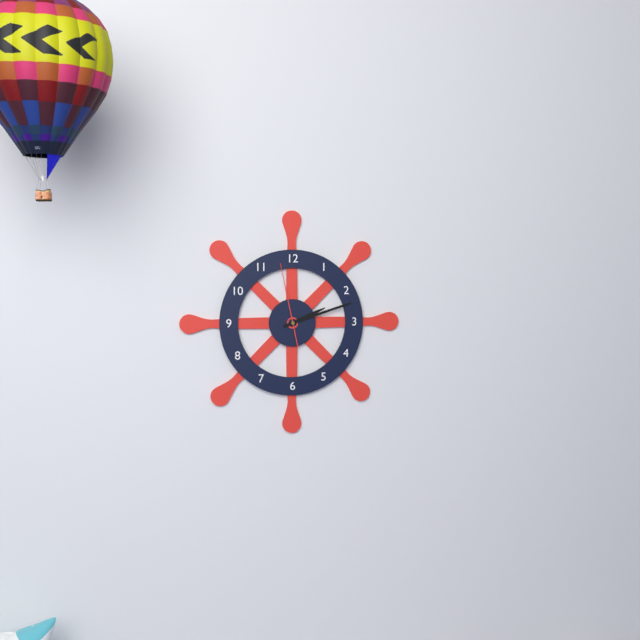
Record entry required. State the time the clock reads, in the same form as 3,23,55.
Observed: 2,12,58
